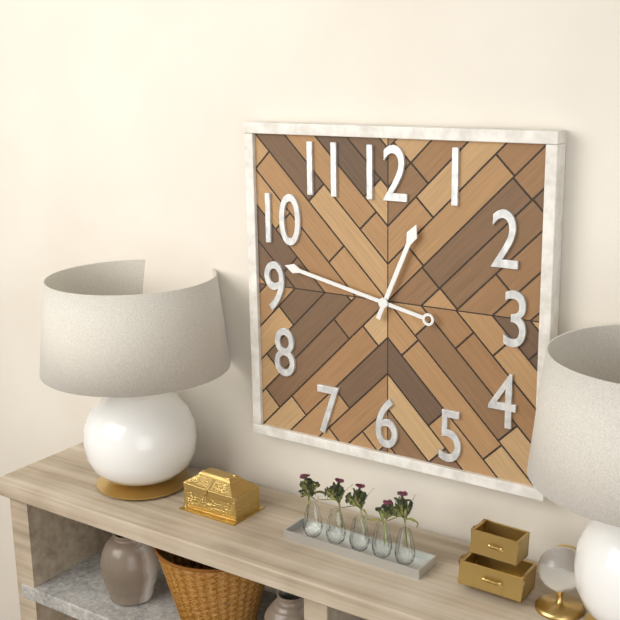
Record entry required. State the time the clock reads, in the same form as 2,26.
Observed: 12,47
